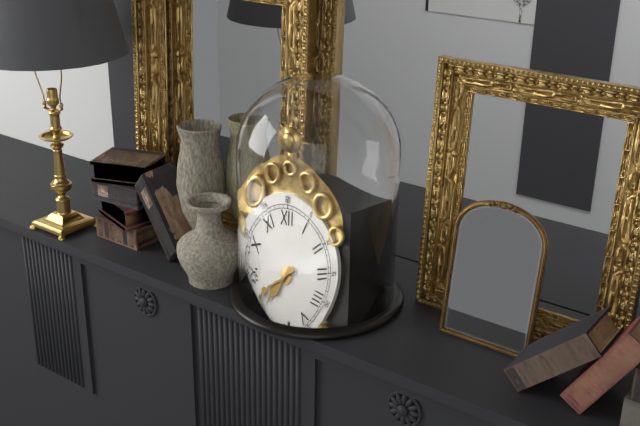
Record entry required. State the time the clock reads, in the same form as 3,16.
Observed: 7,41
